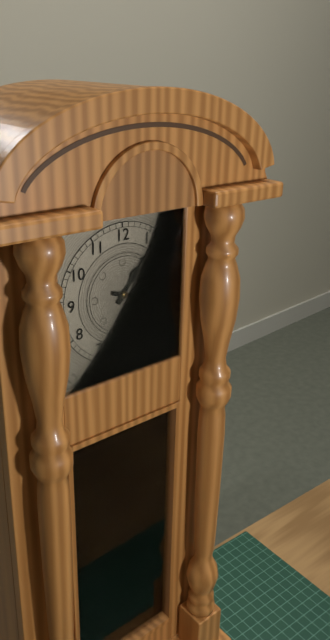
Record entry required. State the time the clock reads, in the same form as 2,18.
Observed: 1,18
